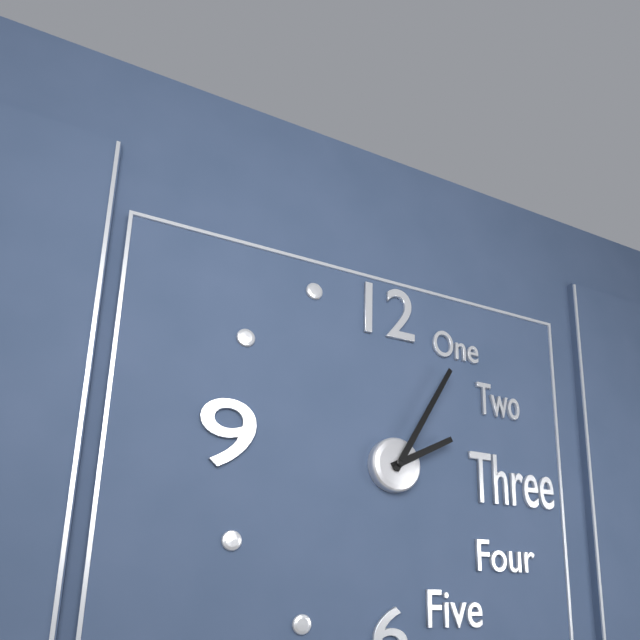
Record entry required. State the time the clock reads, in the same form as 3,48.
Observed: 2,05
